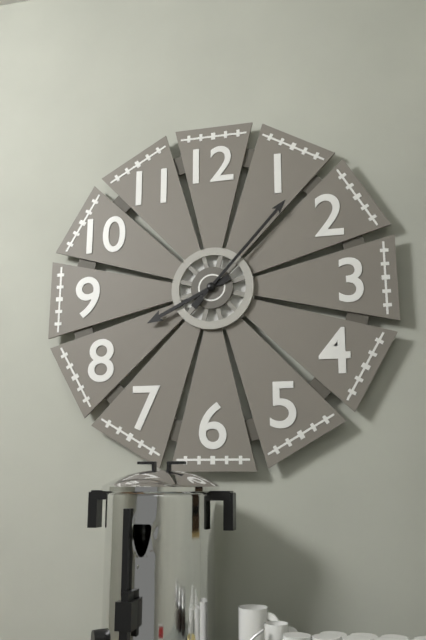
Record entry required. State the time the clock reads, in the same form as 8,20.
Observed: 8,07
